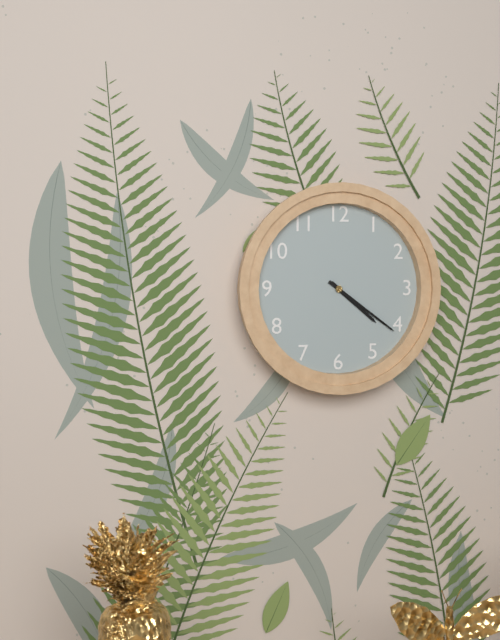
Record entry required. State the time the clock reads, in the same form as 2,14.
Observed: 4,21
